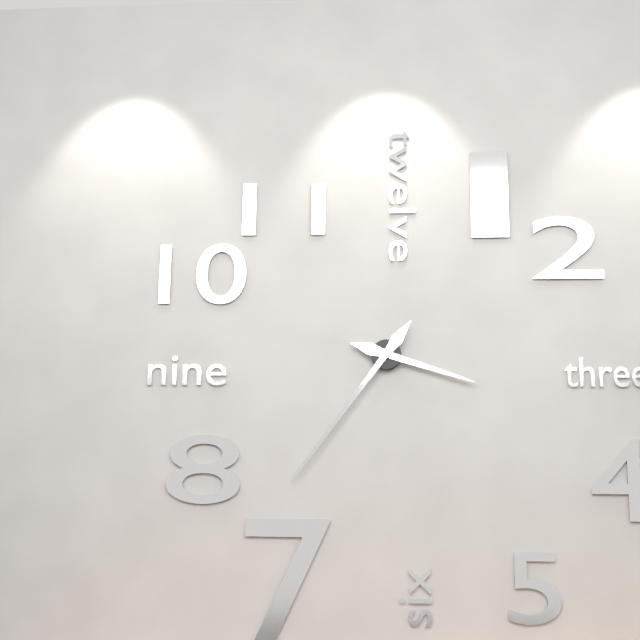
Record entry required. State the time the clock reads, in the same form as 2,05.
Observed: 3,36
